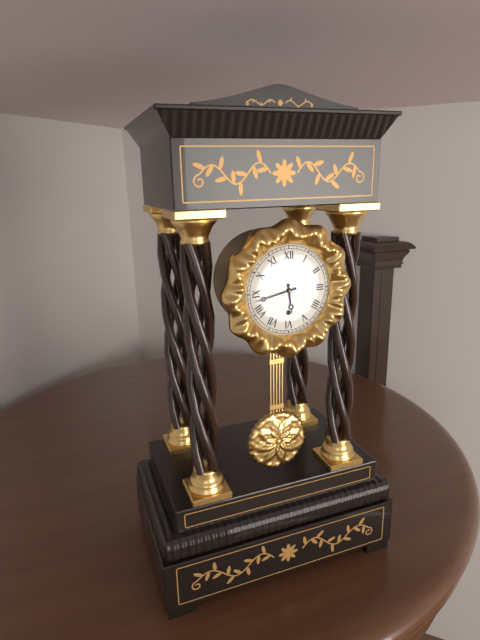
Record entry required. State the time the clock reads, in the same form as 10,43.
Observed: 5,43
